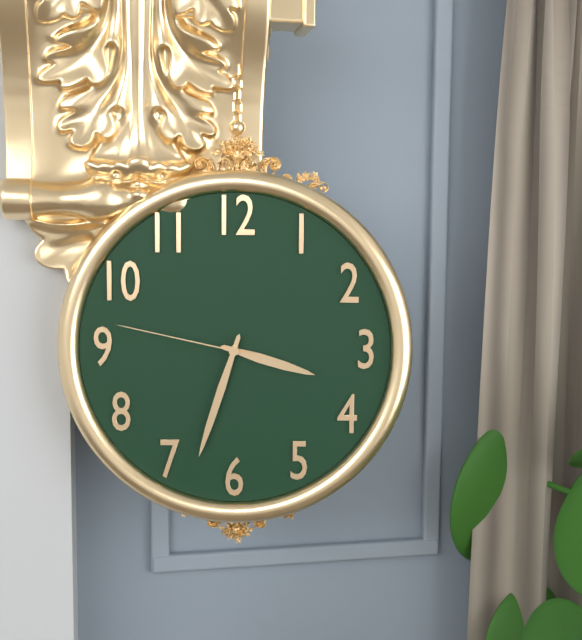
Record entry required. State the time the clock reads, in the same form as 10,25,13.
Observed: 3,33,47
